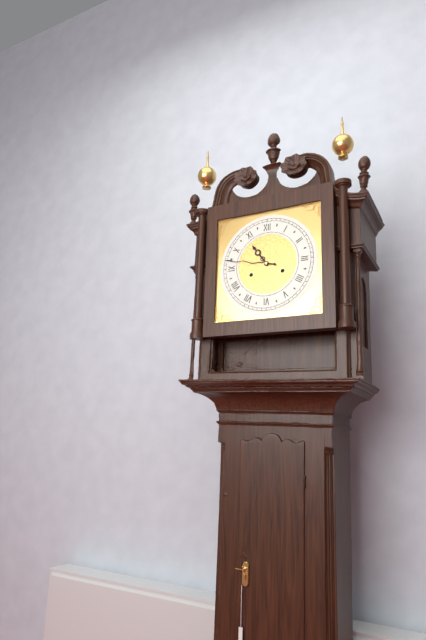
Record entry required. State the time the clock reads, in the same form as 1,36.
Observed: 10,47
